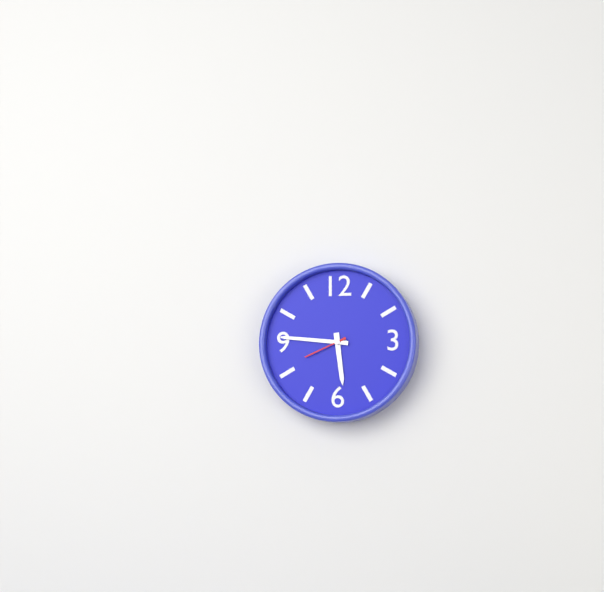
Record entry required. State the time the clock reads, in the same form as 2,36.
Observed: 5,46
